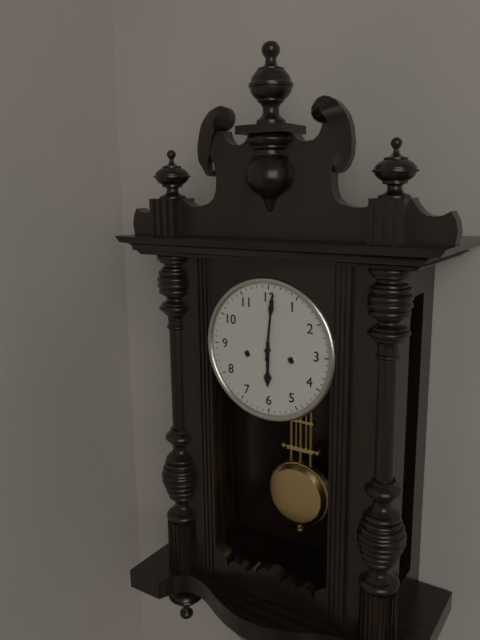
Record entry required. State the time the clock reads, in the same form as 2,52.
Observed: 6,01
